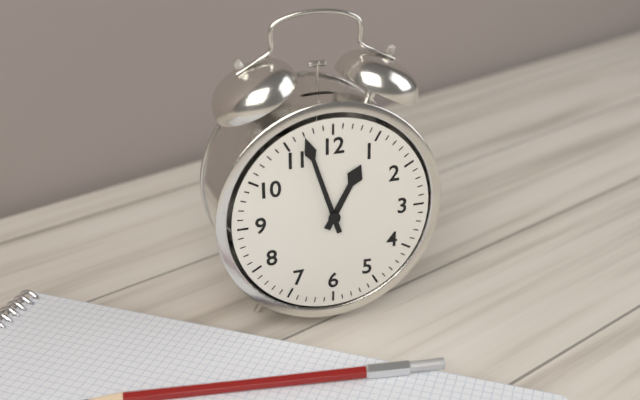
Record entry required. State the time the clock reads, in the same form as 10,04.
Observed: 12,57
